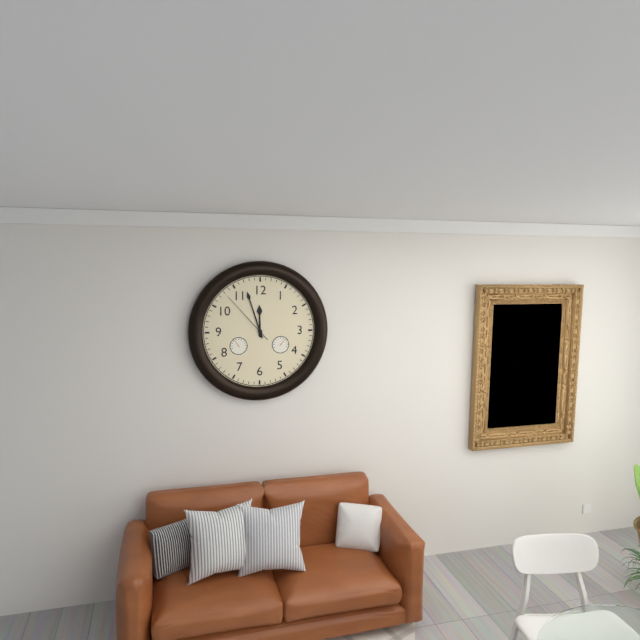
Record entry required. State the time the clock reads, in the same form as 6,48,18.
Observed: 11,57,53
